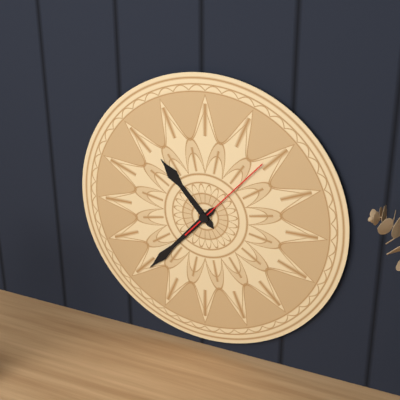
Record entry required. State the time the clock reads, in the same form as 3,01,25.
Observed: 10,37,07
